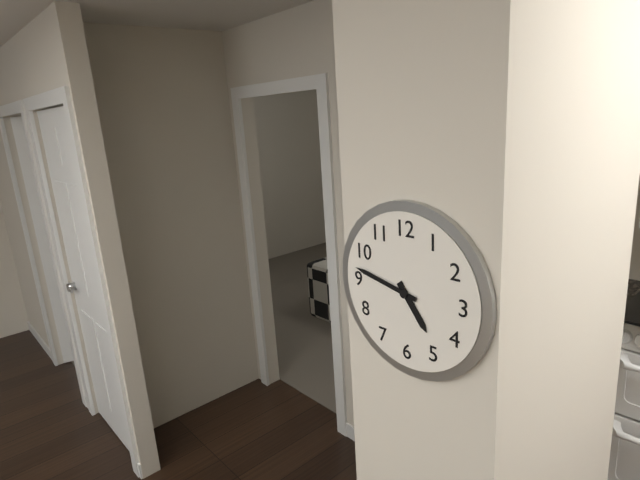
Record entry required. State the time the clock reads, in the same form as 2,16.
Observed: 4,47
